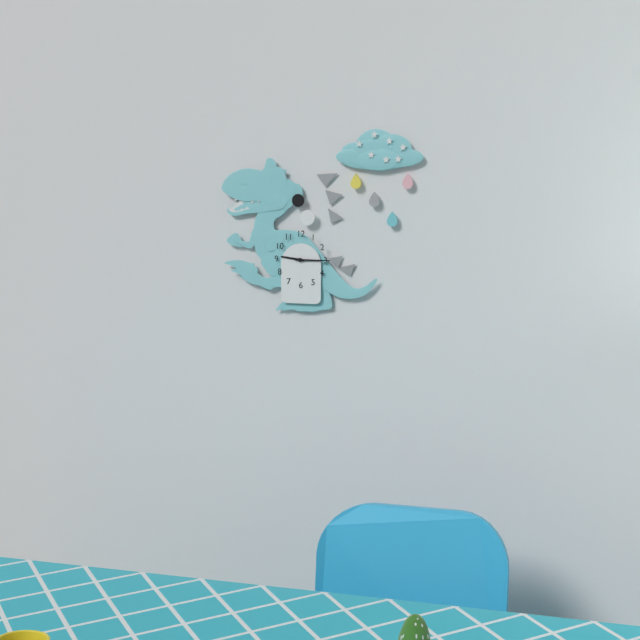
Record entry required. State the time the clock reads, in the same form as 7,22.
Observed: 9,15
